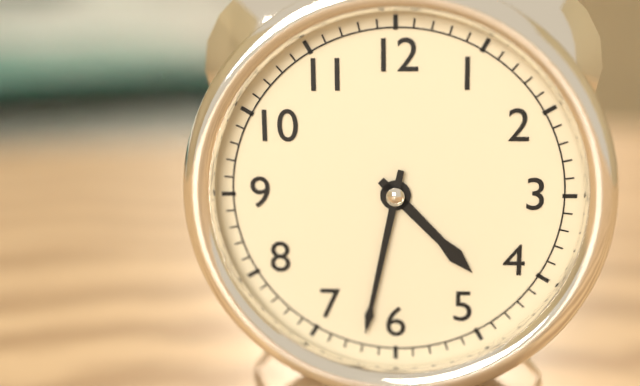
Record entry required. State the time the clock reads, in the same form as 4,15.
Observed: 4,32
